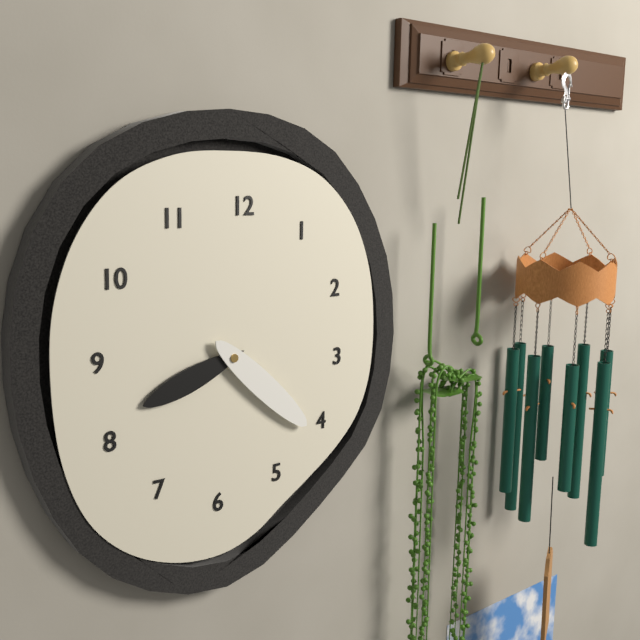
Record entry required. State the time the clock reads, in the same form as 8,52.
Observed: 8,22
